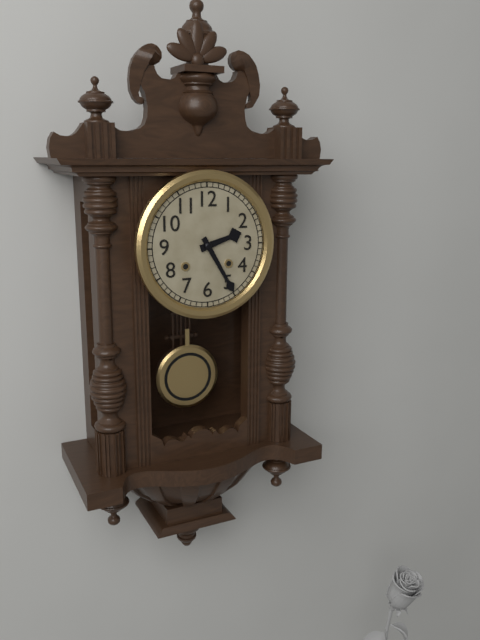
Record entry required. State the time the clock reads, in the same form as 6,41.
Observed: 2,25
